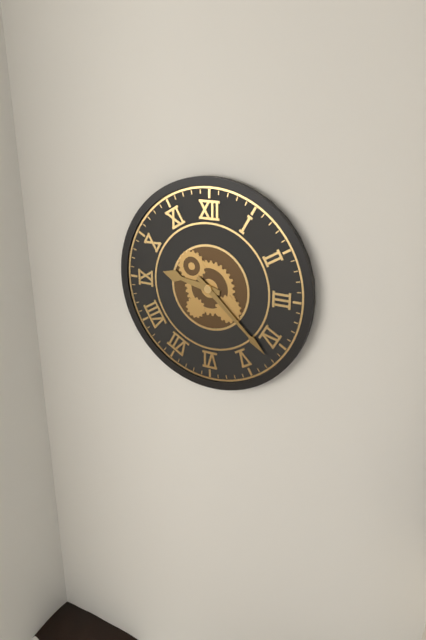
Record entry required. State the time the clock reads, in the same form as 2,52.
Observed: 9,22
